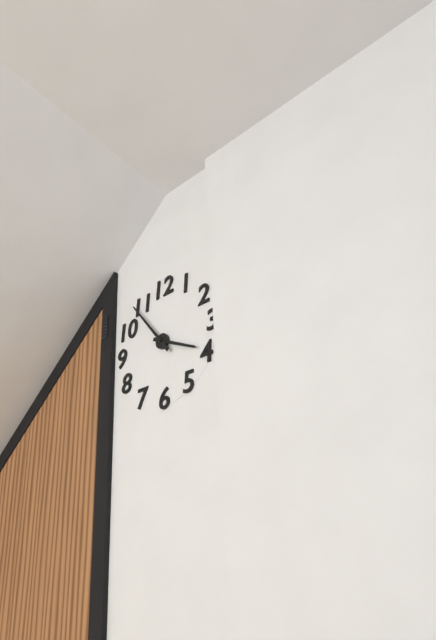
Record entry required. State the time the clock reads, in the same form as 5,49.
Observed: 3,54
